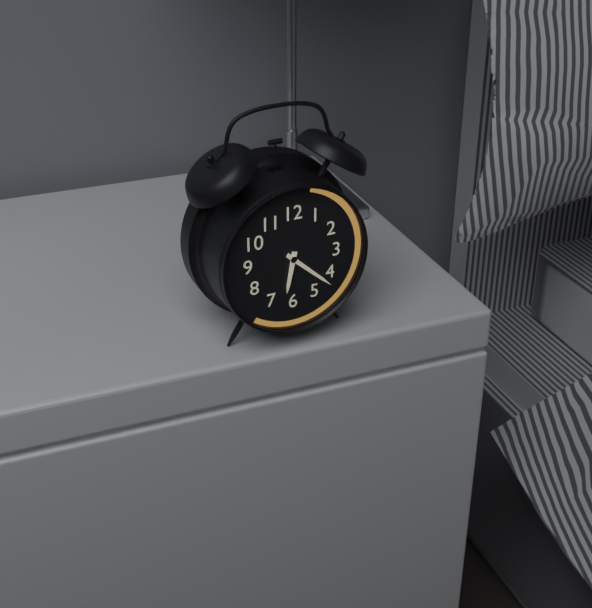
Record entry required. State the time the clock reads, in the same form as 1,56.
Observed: 6,22
